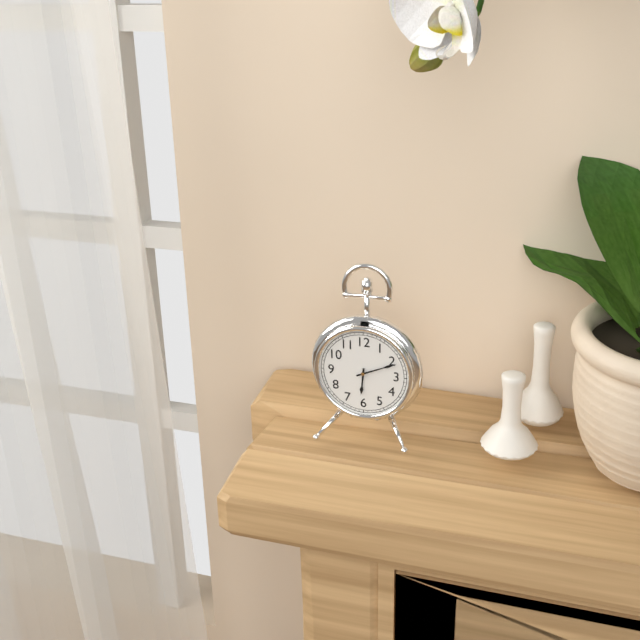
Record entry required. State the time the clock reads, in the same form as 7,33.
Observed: 6,11
